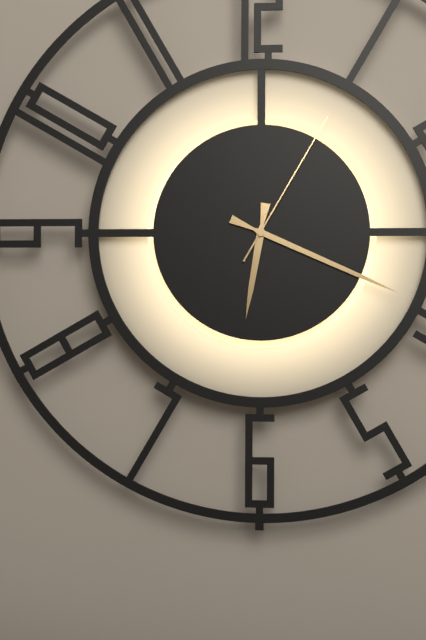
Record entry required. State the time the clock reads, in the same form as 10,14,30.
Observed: 6,19,05
